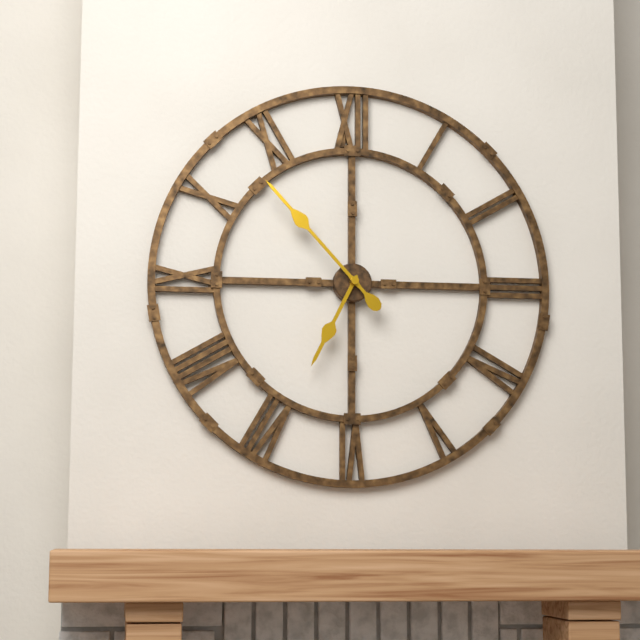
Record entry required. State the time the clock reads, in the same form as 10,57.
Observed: 6,53
